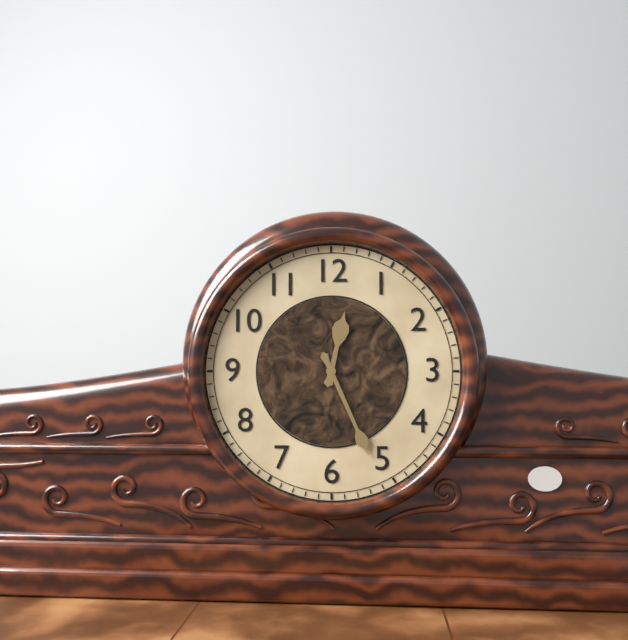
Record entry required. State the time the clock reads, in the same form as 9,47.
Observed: 12,26
